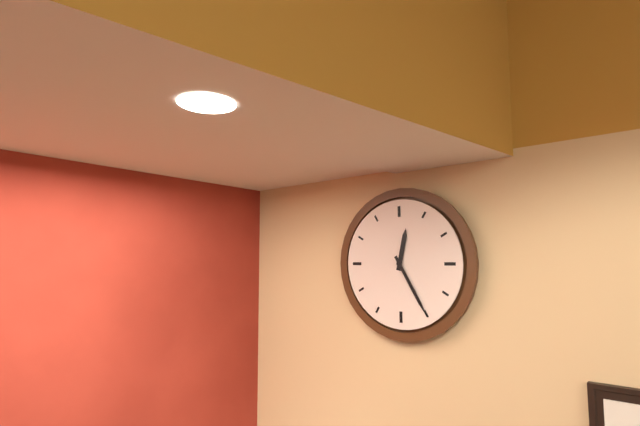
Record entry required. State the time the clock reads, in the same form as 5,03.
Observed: 12,25
